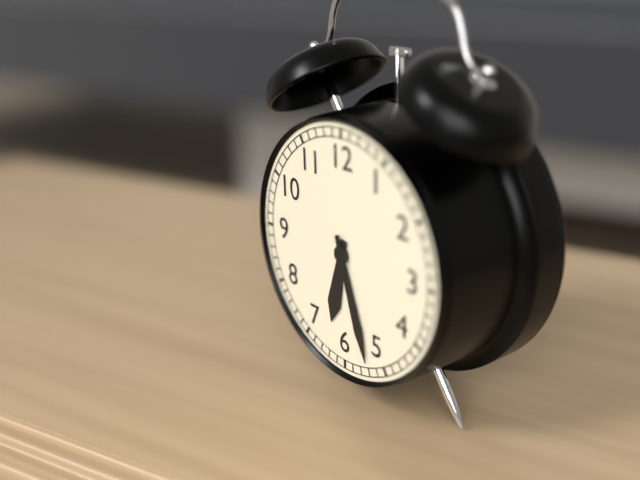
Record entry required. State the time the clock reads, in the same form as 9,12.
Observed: 6,27
